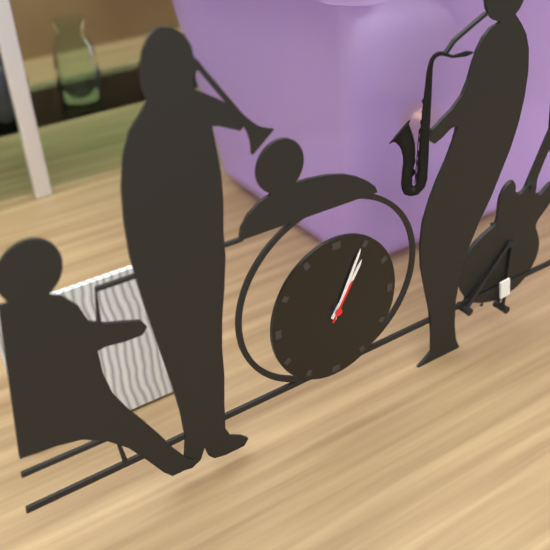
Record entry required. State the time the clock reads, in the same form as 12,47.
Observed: 1,04
